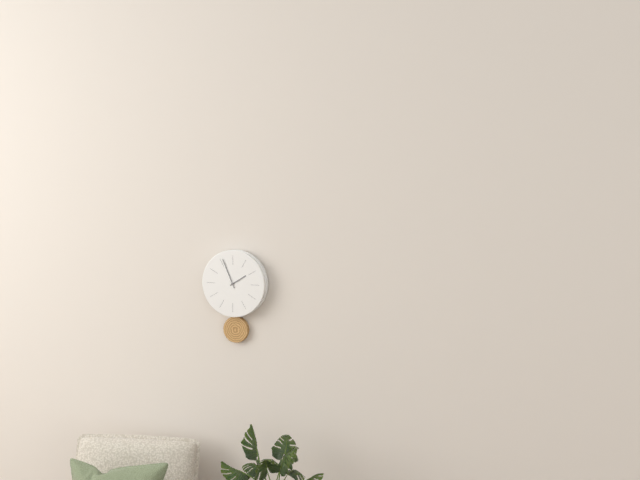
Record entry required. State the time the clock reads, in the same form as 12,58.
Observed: 1,56
